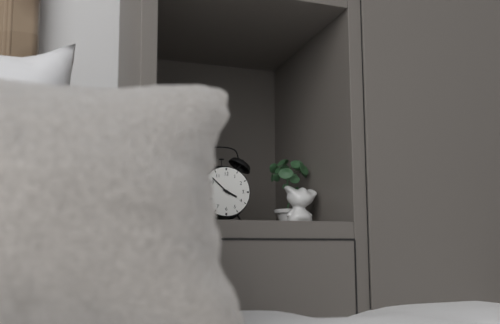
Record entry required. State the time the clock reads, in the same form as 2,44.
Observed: 3,52
